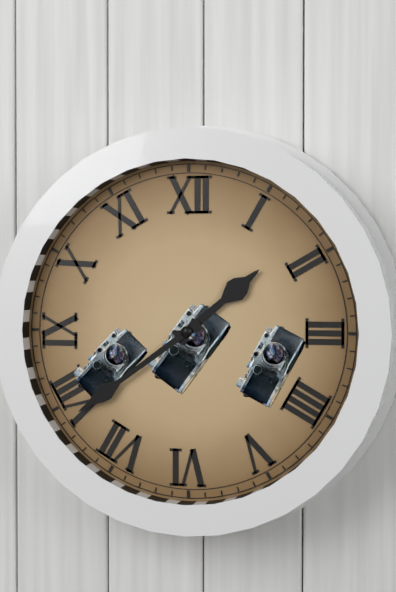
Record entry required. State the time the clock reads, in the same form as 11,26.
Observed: 1,39
